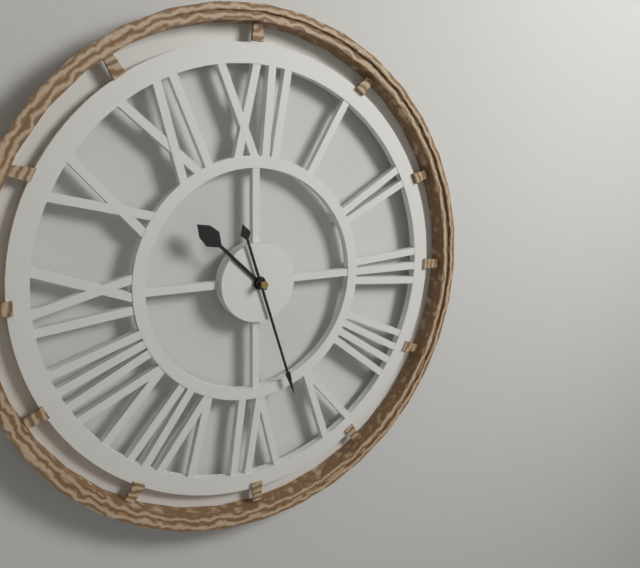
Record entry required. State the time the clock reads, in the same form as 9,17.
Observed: 10,27
